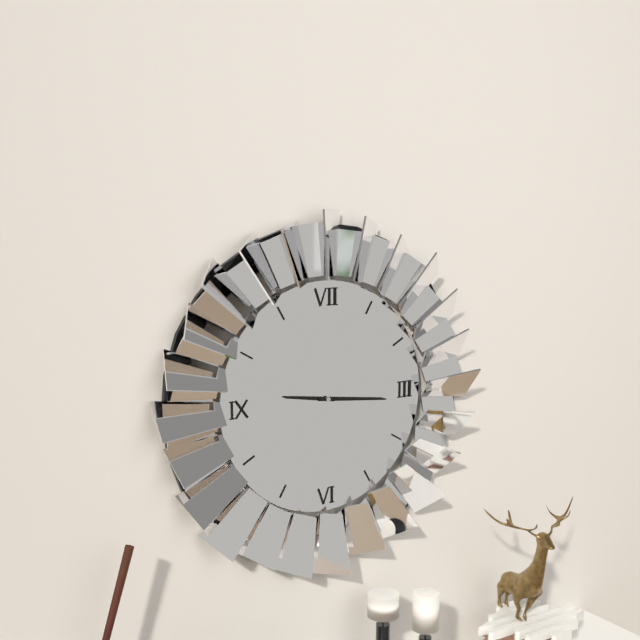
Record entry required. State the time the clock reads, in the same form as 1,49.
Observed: 9,16
